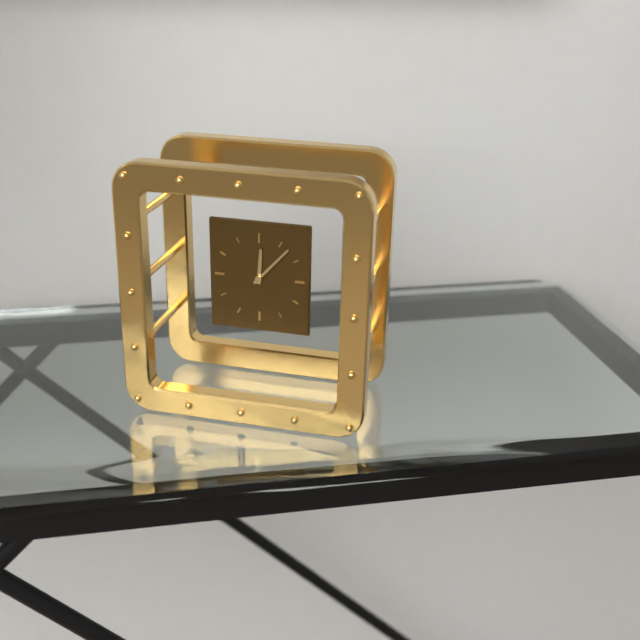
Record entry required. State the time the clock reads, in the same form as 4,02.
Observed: 12,07
